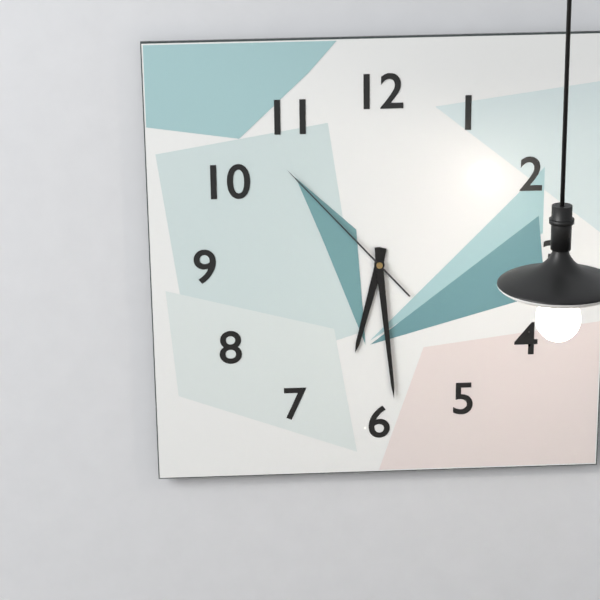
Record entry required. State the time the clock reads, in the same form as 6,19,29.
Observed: 6,29,53
